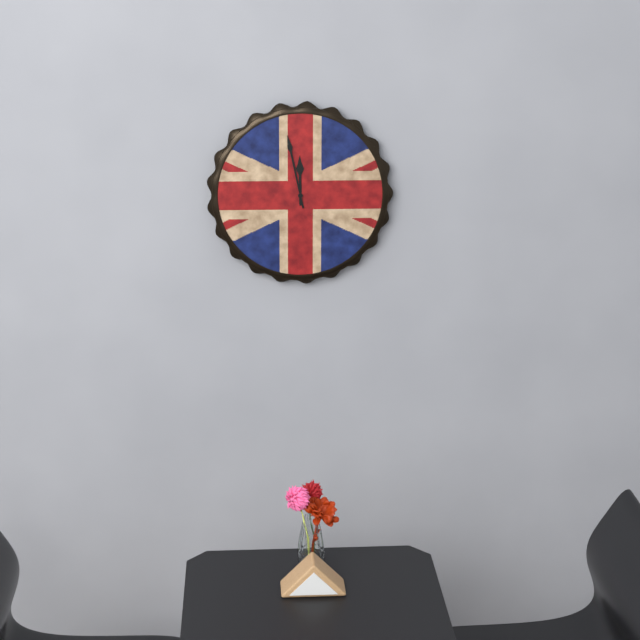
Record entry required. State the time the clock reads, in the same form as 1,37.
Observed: 11,58
